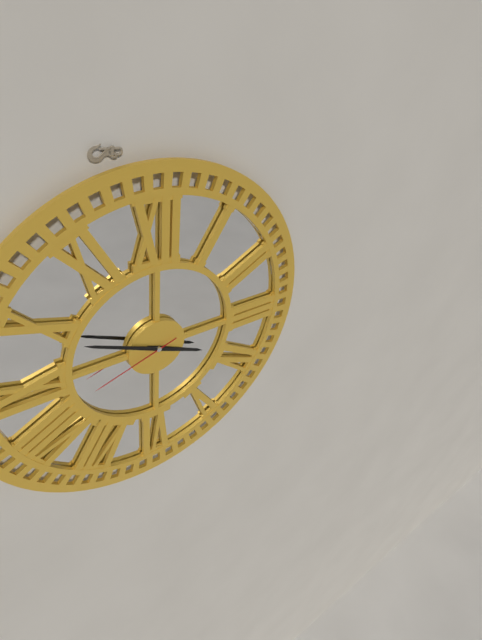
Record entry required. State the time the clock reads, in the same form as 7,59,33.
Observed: 3,49,42
